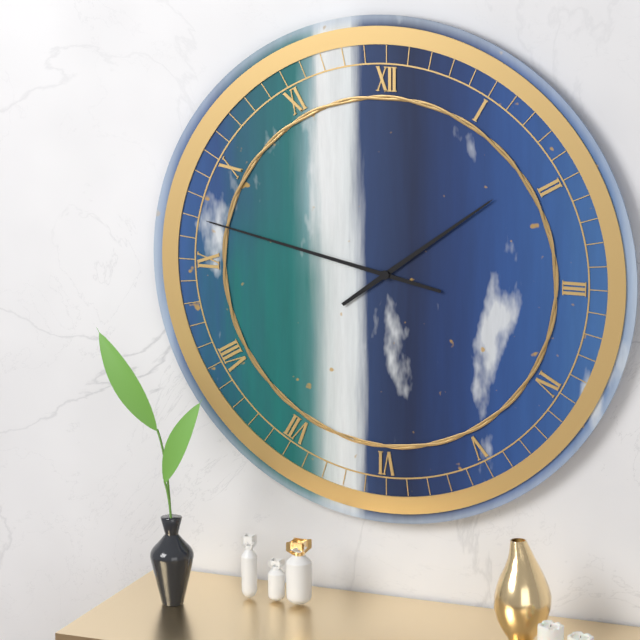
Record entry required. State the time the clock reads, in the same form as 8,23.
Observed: 1,47
